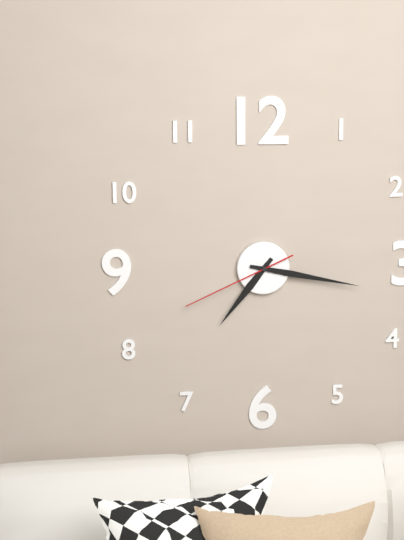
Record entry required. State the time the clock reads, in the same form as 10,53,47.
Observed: 7,17,41
